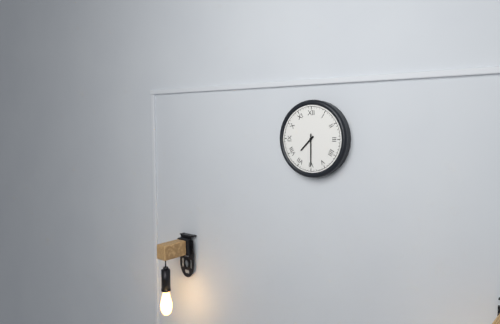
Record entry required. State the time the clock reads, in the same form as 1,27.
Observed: 7,30
